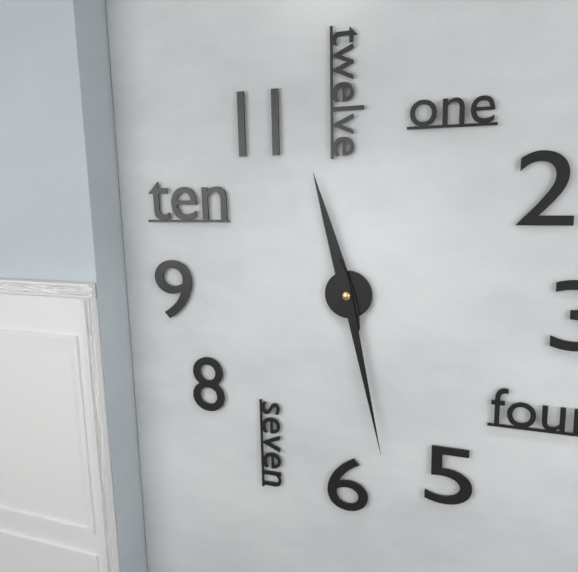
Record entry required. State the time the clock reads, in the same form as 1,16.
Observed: 11,28
